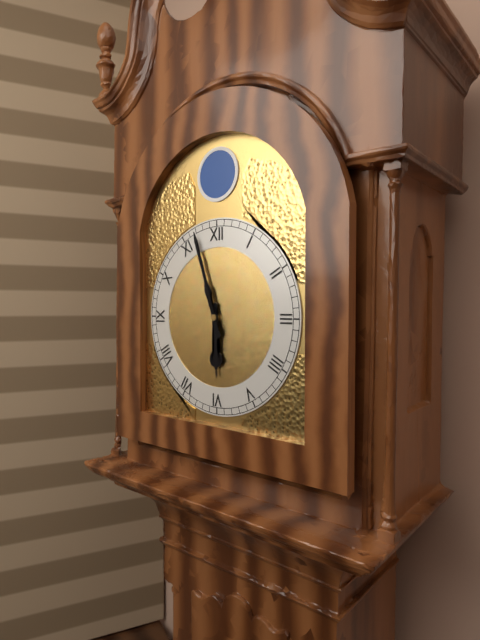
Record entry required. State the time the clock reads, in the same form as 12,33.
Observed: 5,57
